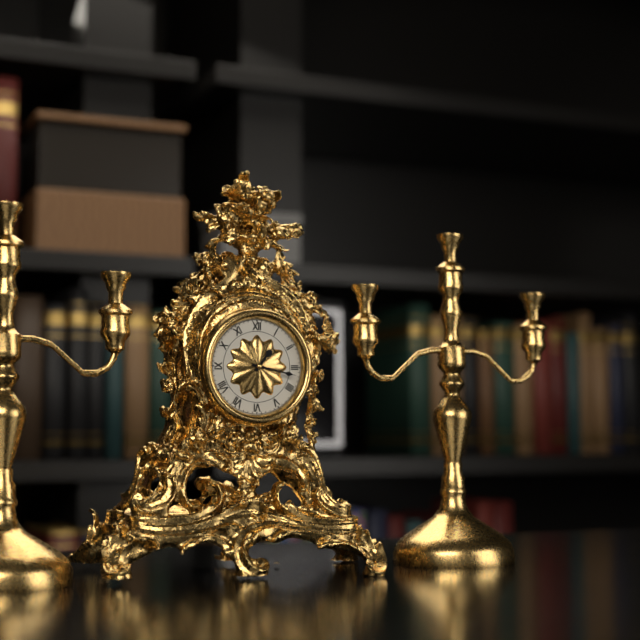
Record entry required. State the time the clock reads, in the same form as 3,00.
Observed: 1,17
